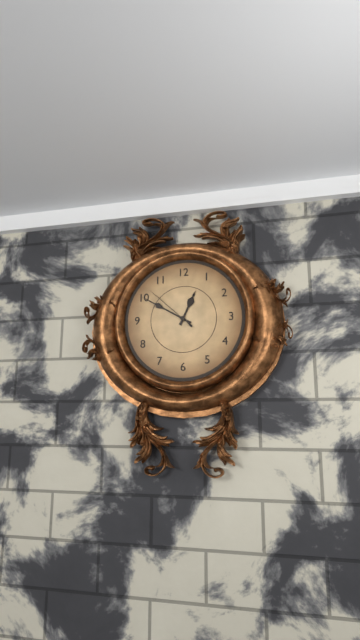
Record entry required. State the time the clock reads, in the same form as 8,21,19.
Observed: 12,50,52
